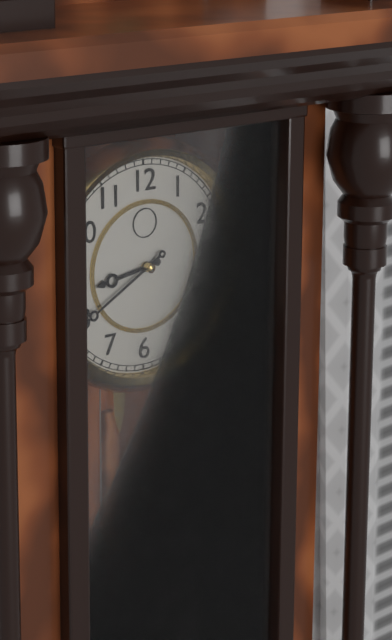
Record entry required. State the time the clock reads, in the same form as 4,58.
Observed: 8,40
